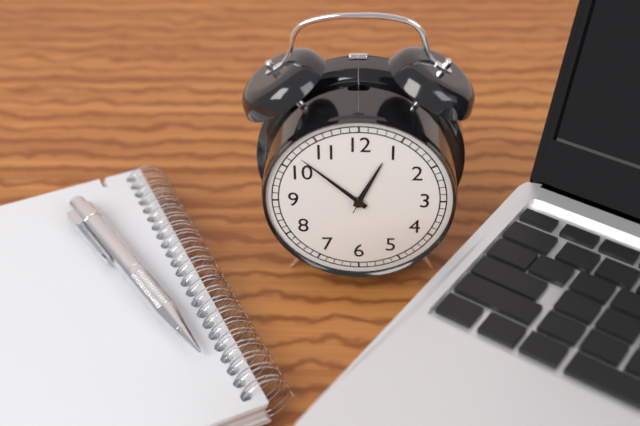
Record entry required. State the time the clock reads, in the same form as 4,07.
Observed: 12,52
